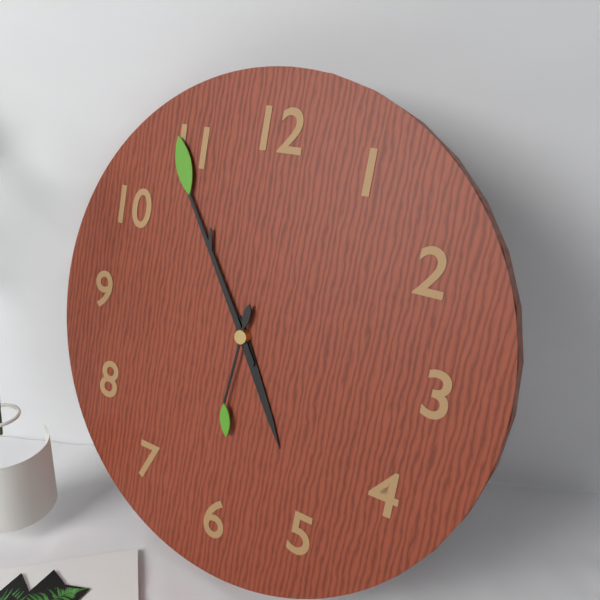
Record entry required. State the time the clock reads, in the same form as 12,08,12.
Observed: 4,54,31
